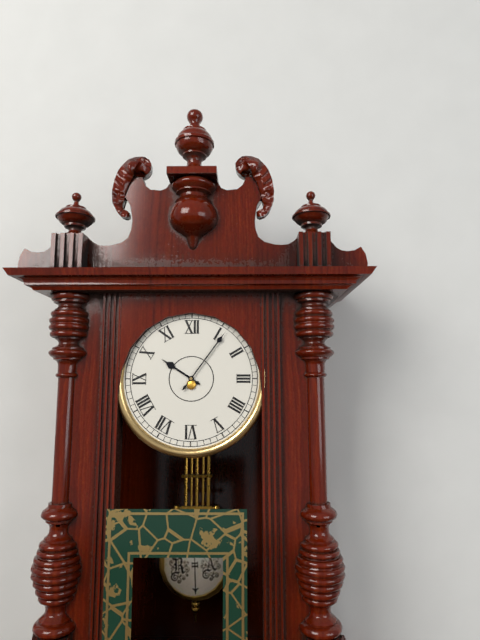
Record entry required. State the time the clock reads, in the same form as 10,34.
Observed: 10,06
